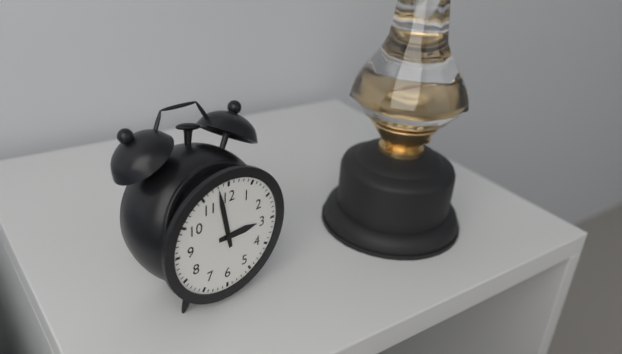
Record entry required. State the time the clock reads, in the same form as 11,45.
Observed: 2,58
